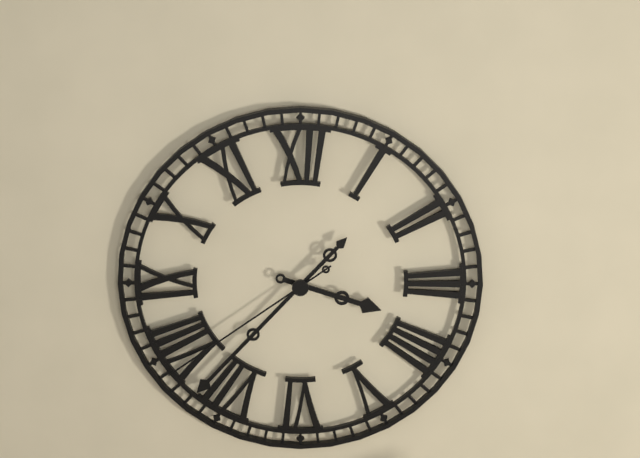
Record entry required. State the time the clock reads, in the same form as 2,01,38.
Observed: 3,37,39
